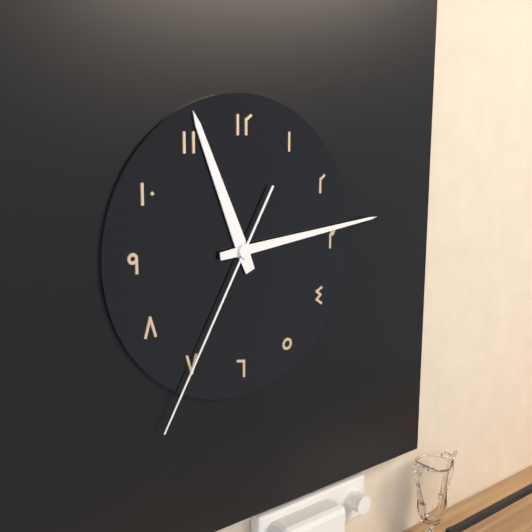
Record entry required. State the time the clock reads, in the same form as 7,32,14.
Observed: 11,14,35
